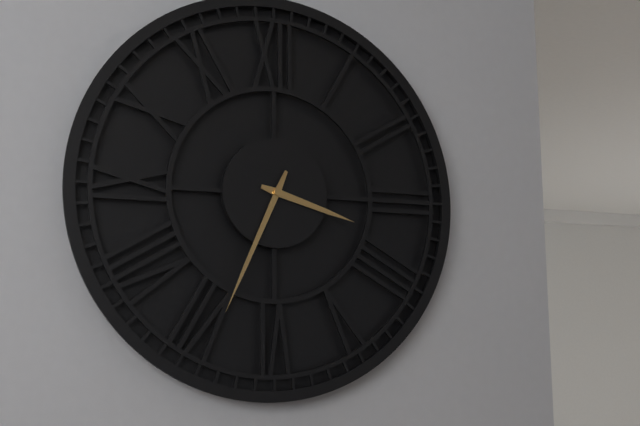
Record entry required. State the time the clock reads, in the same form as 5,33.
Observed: 3,34
